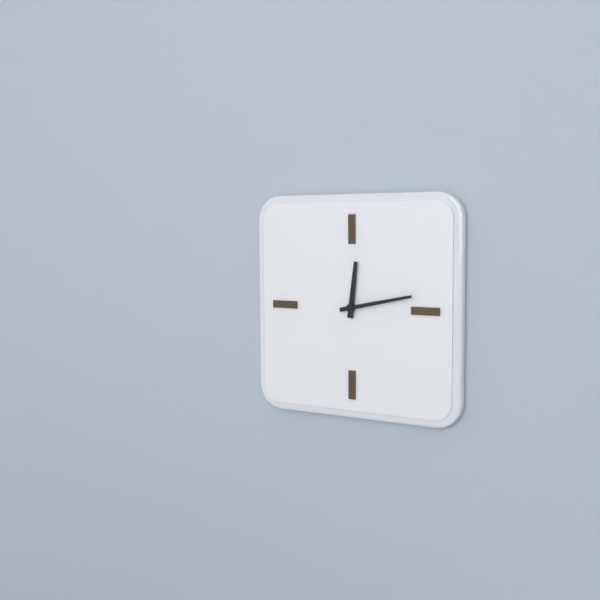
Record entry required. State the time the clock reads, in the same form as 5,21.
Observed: 12,13
